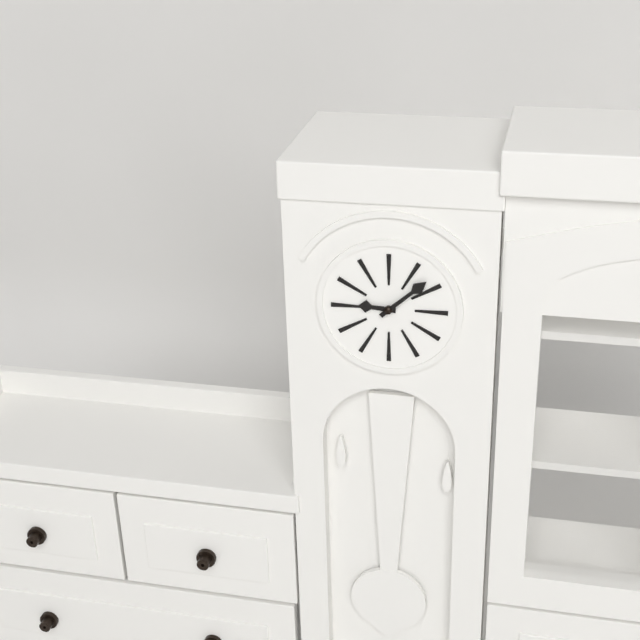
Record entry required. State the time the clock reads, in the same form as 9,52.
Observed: 9,08
